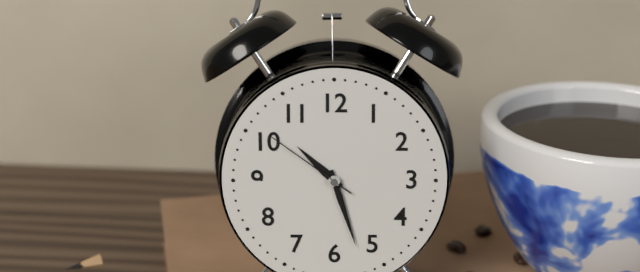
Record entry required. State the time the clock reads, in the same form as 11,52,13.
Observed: 10,27,51
